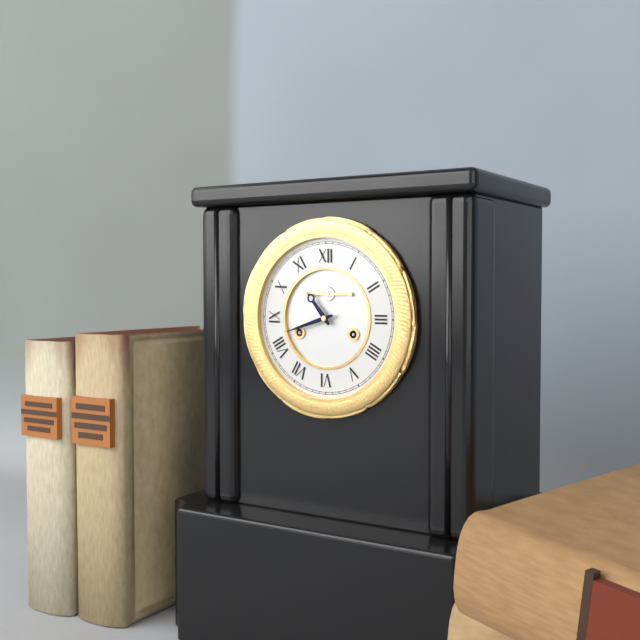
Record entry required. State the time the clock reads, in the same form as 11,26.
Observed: 10,42
